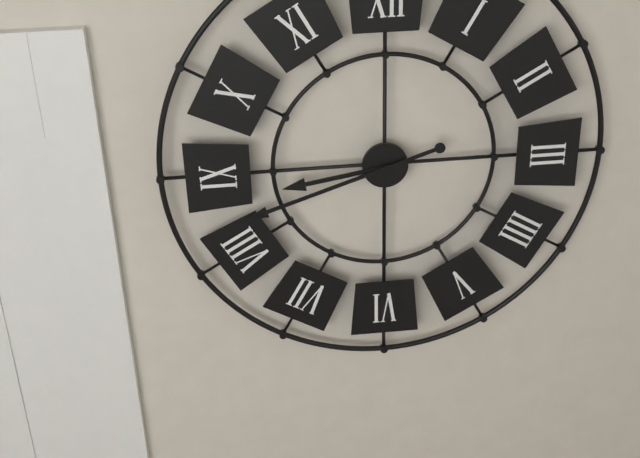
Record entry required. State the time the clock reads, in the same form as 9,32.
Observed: 8,42
